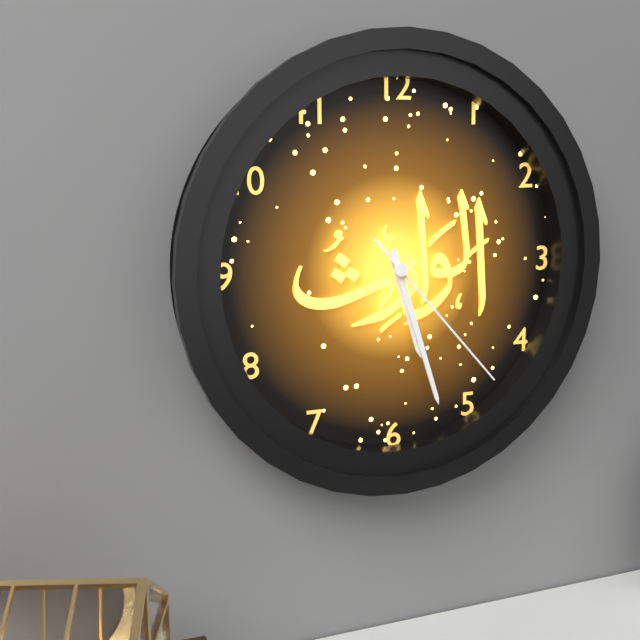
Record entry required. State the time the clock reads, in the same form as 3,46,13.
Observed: 5,27,23
